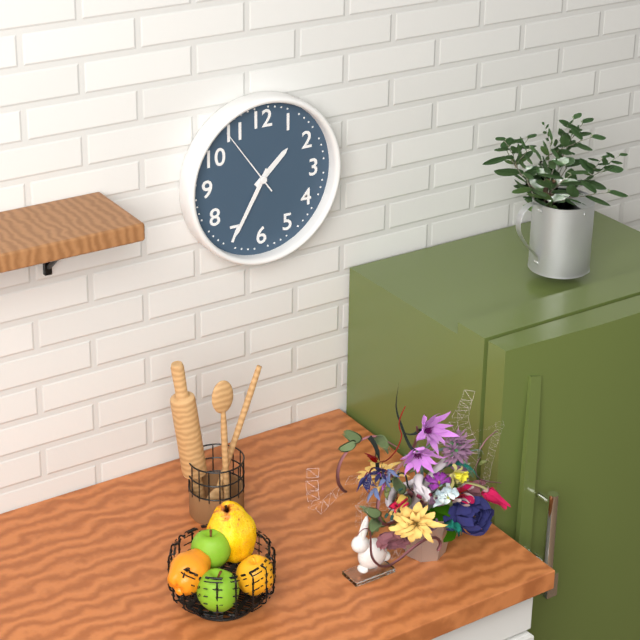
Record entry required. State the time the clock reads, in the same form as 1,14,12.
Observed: 1,35,54
